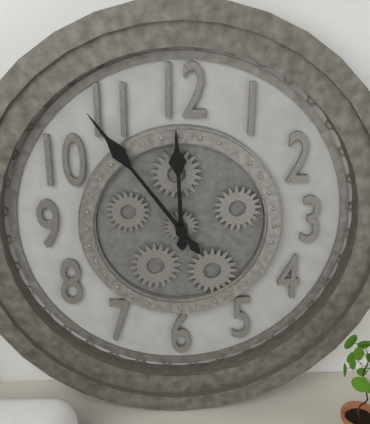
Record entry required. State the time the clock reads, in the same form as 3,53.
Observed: 11,54
